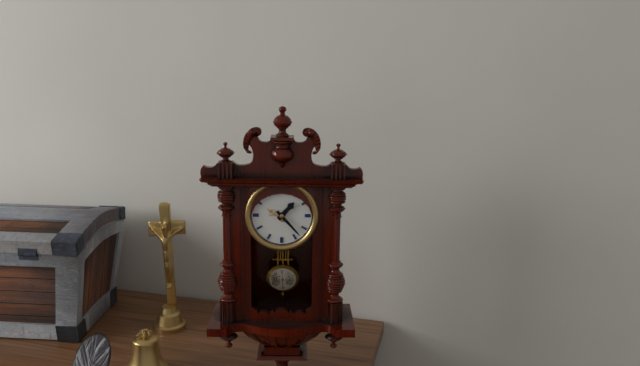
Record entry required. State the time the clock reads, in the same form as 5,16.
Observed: 1,23
